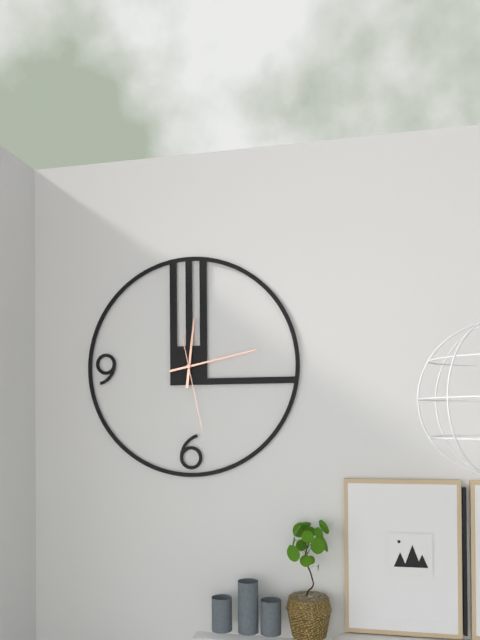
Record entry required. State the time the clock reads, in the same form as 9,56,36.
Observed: 12,13,28
